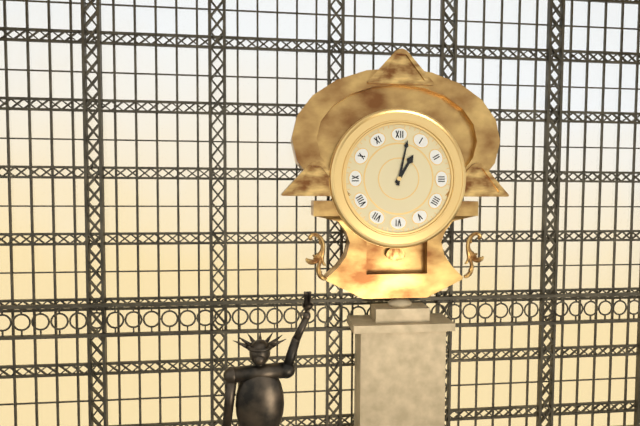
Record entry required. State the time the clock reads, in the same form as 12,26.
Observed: 1,02
